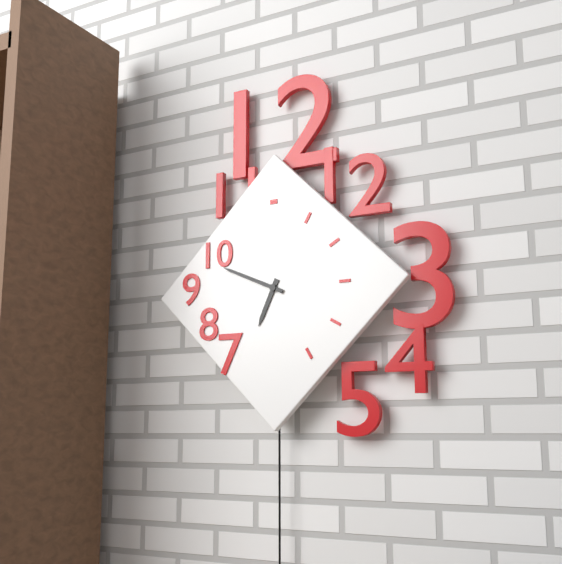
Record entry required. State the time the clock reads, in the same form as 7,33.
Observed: 6,49
